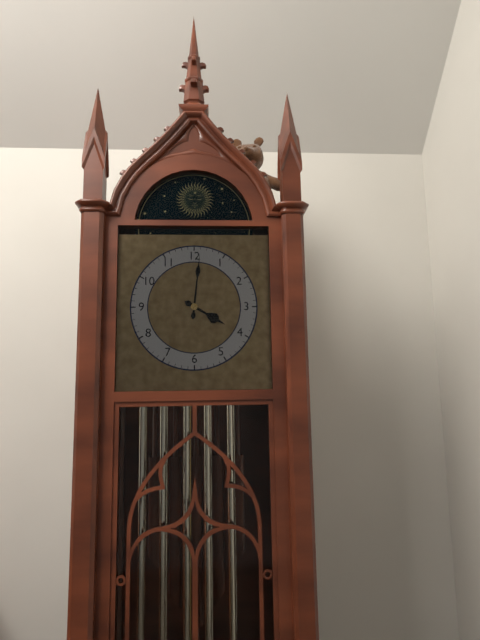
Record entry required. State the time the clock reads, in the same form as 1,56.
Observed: 4,01
